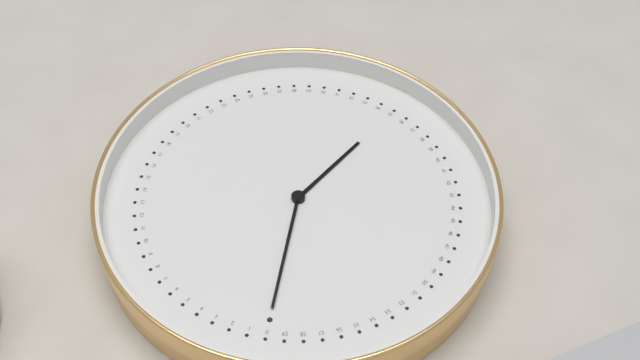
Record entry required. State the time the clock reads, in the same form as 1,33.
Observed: 7,00
